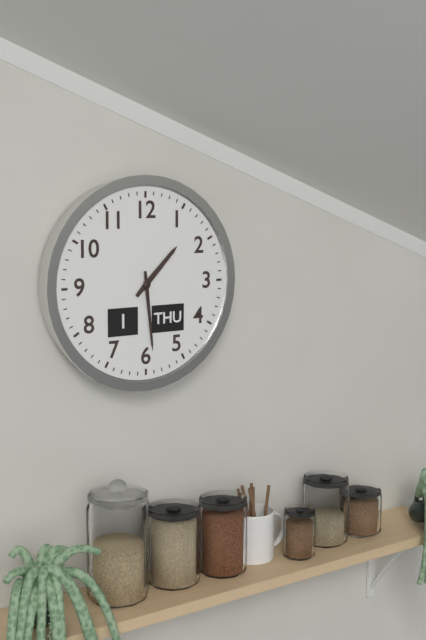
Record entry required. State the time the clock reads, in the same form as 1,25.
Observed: 1,29
